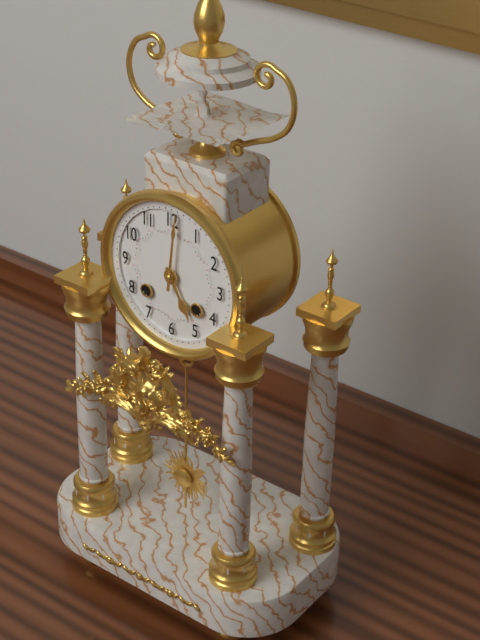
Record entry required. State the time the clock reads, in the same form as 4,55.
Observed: 5,01
